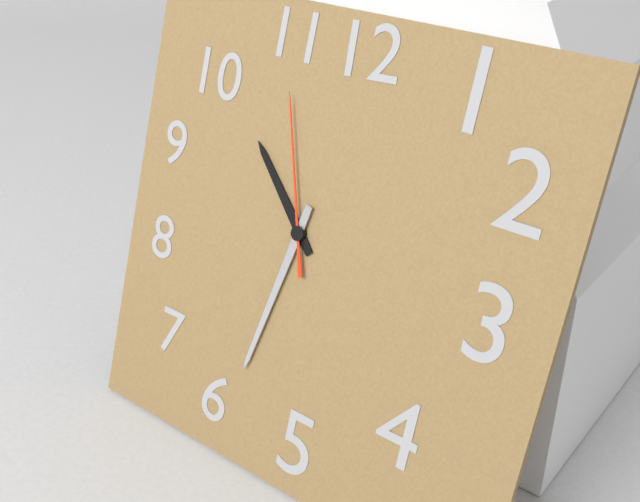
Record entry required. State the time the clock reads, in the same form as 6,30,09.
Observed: 10,32,57
